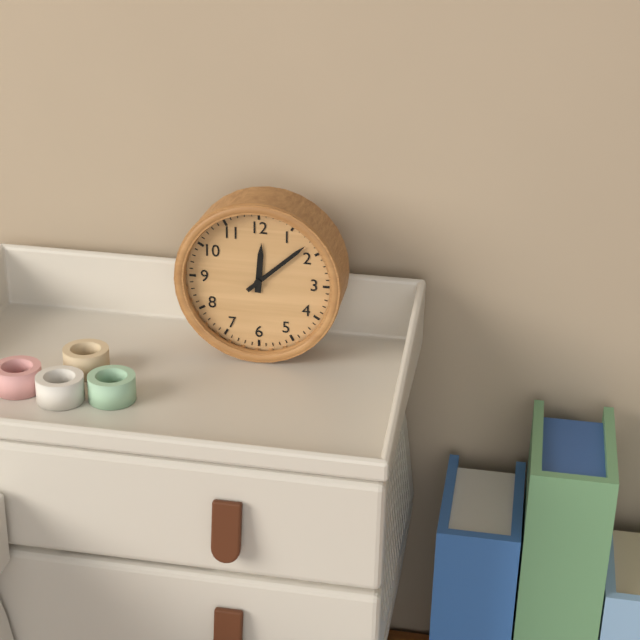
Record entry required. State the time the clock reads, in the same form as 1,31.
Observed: 12,08
